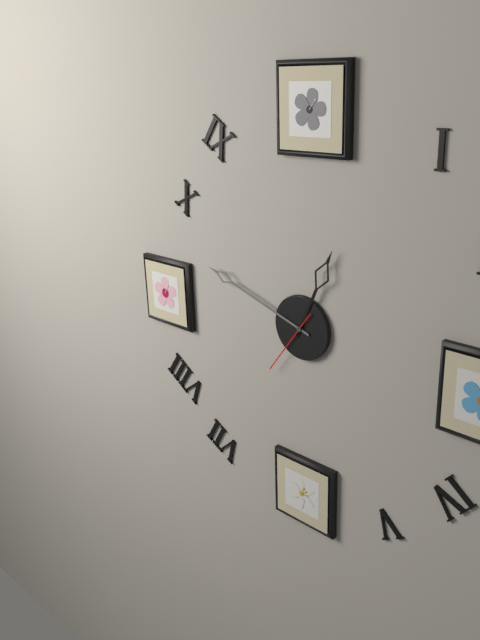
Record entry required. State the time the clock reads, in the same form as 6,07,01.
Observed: 12,48,36
